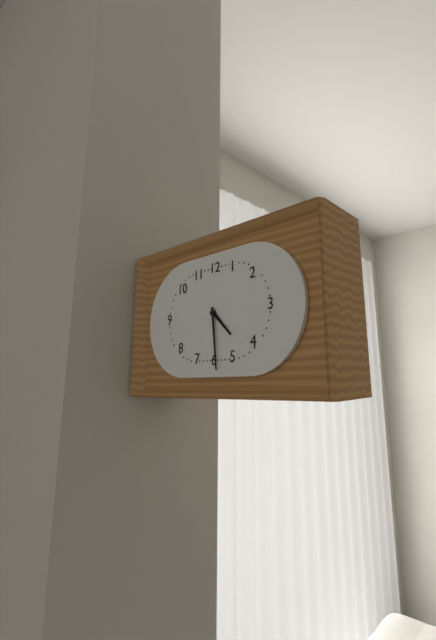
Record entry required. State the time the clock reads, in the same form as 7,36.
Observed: 4,29
